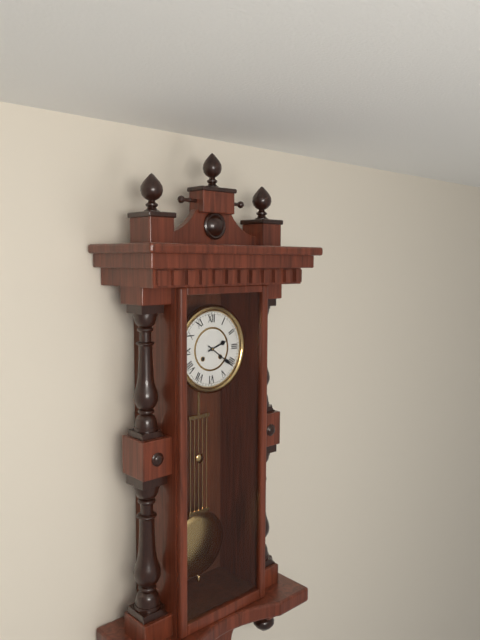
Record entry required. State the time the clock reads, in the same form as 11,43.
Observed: 2,21
